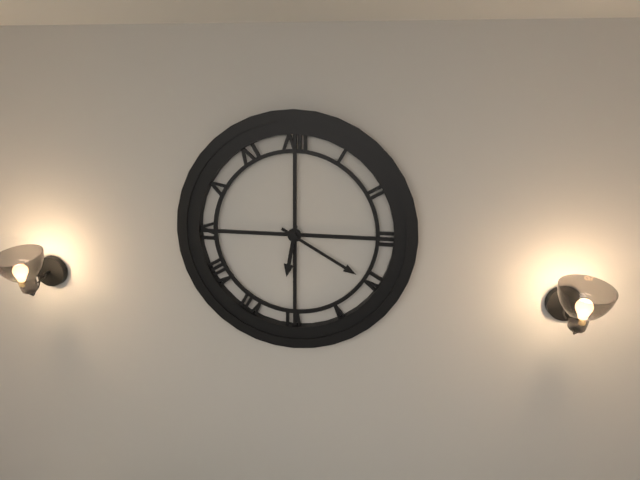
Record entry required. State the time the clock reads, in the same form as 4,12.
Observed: 6,20
